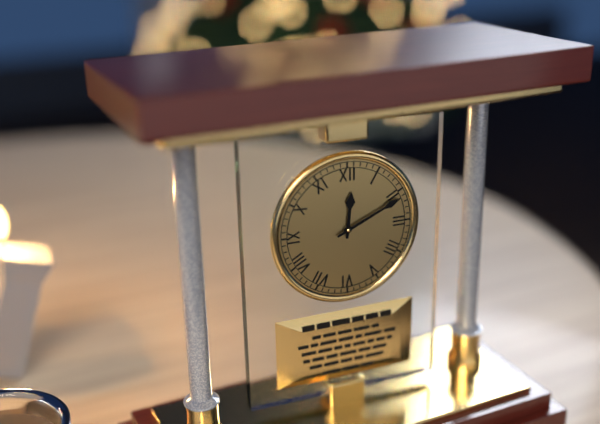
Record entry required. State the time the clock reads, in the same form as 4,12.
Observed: 12,11
